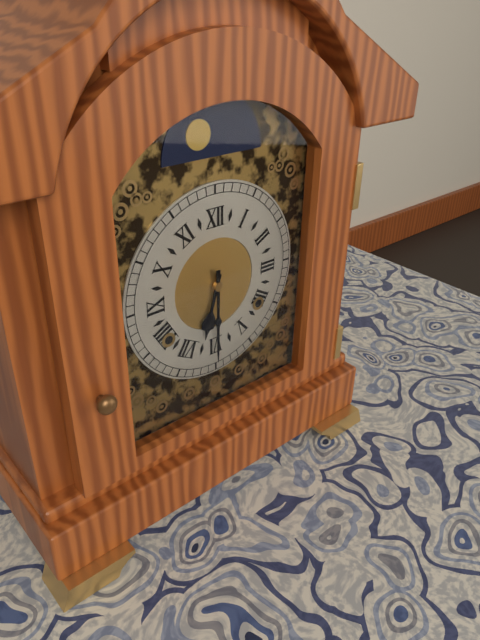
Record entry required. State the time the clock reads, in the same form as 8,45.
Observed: 6,30
